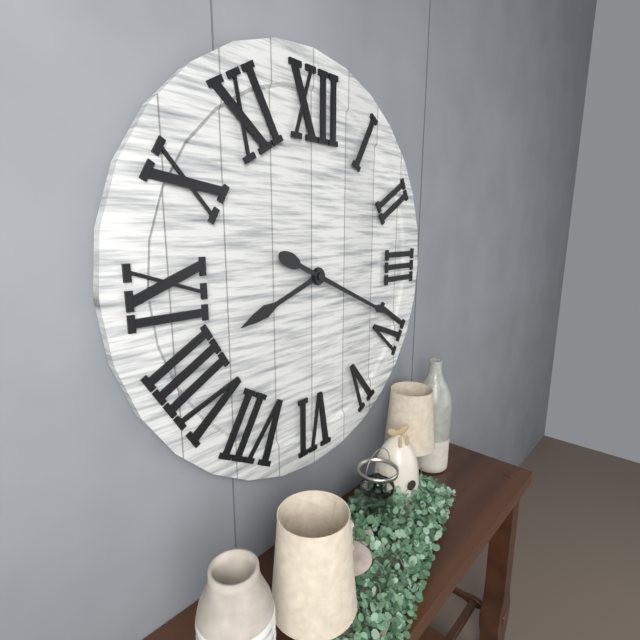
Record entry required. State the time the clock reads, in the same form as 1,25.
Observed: 8,19
